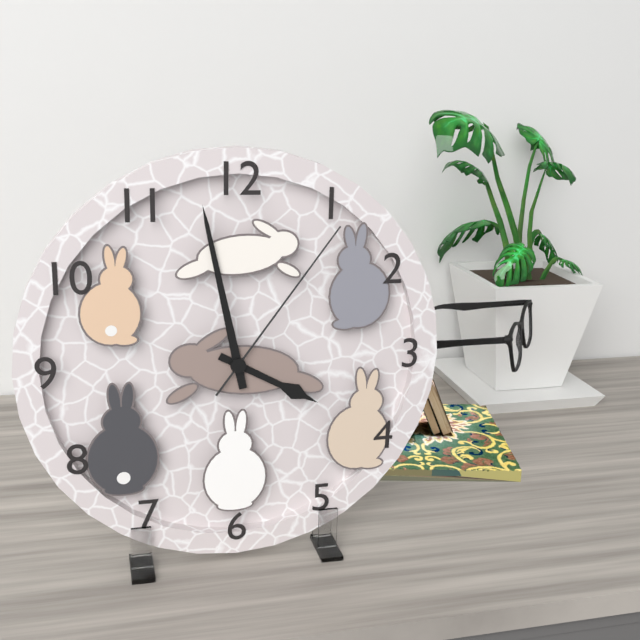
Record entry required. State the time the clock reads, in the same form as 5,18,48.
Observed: 3,58,06
